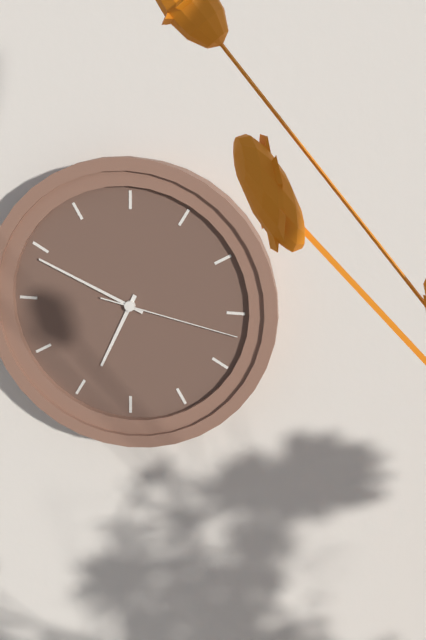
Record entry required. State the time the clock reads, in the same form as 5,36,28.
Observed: 6,49,17
